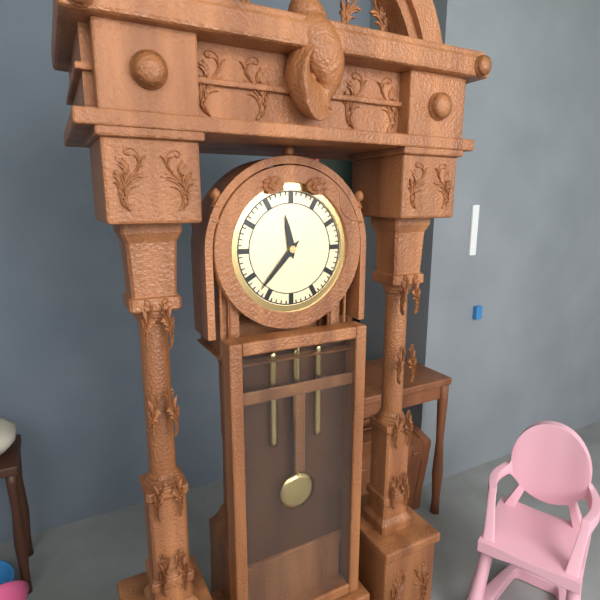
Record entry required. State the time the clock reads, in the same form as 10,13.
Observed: 11,37
